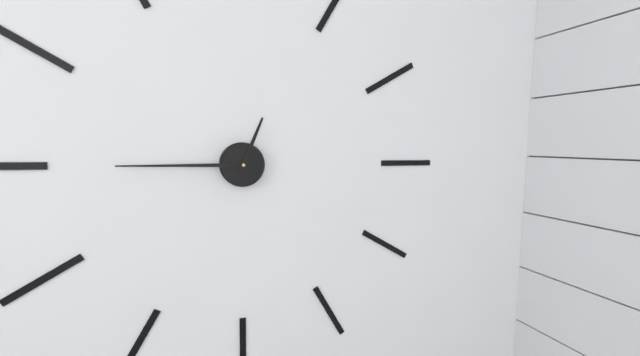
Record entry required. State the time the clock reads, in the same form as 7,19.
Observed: 12,45
